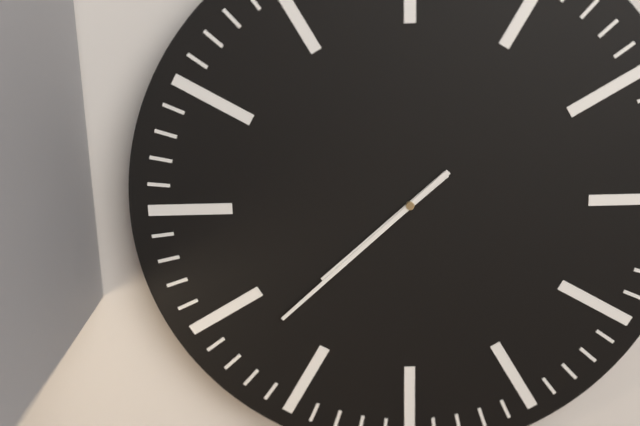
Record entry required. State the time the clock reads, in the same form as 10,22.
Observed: 7,38
